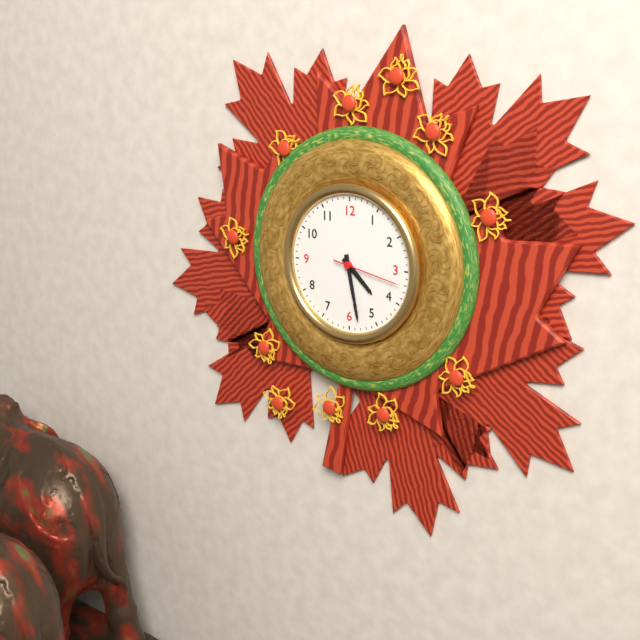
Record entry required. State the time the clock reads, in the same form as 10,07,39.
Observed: 4,28,17
